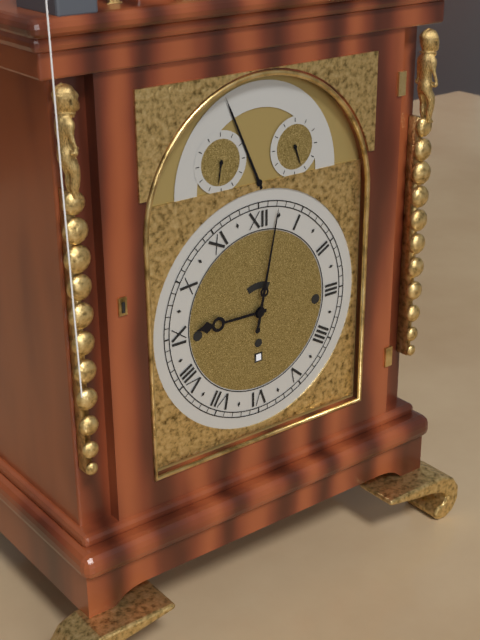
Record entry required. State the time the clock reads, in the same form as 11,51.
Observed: 9,02
